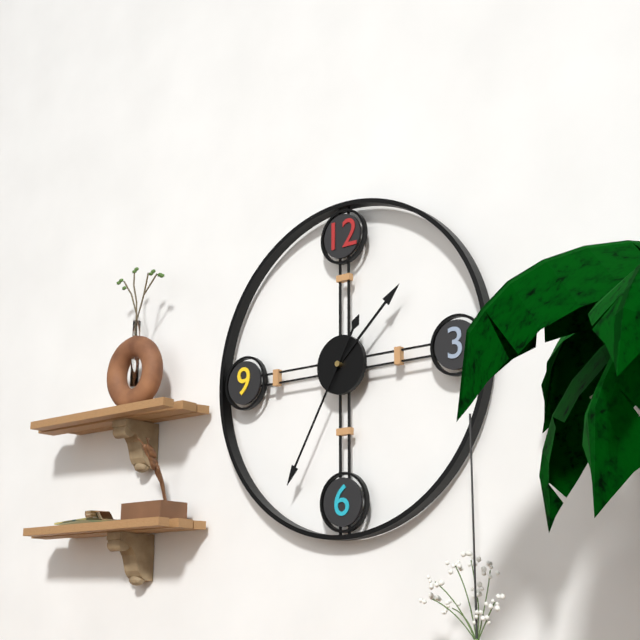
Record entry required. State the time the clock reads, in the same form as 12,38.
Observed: 1,35
